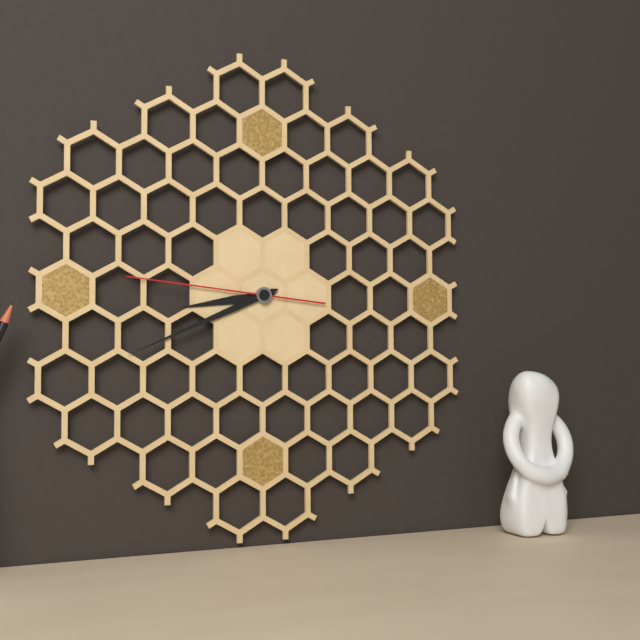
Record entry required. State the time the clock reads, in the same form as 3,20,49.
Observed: 8,41,46
